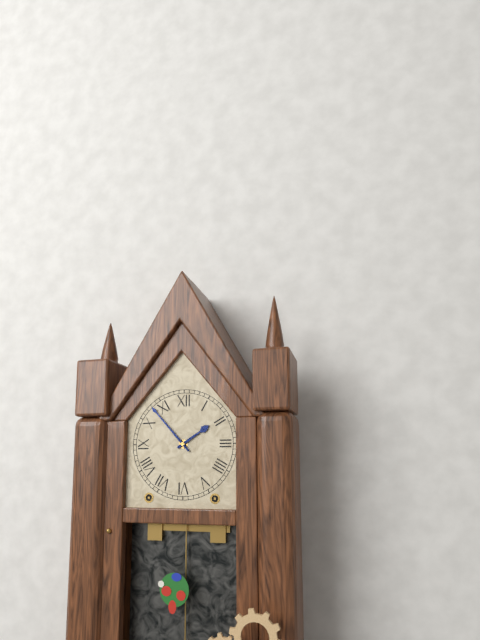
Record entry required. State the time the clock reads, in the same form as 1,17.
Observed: 1,53
